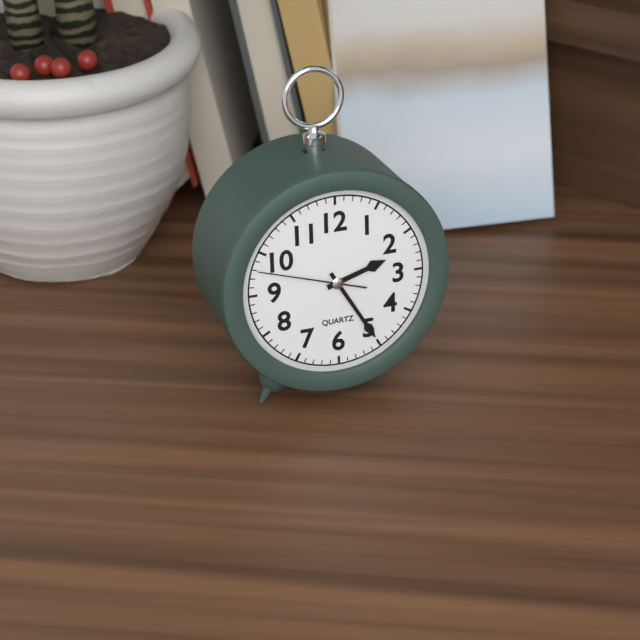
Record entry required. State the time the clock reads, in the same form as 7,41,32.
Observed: 2,25,48
